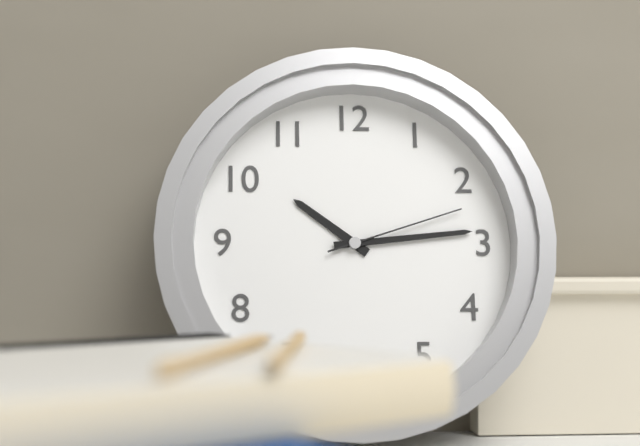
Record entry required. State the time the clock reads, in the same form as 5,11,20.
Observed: 10,14,12
